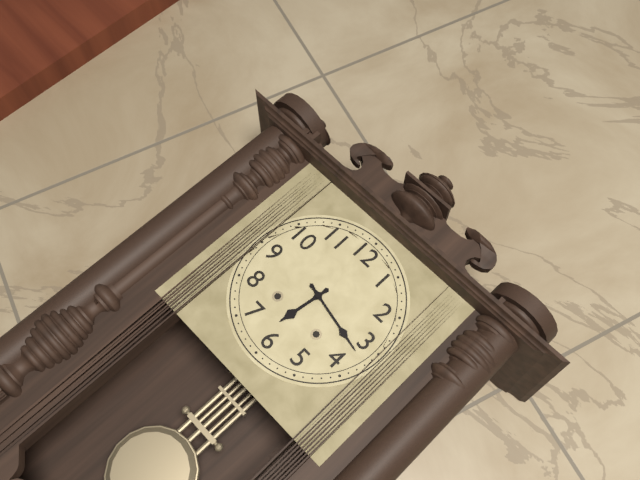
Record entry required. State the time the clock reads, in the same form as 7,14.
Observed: 6,17
